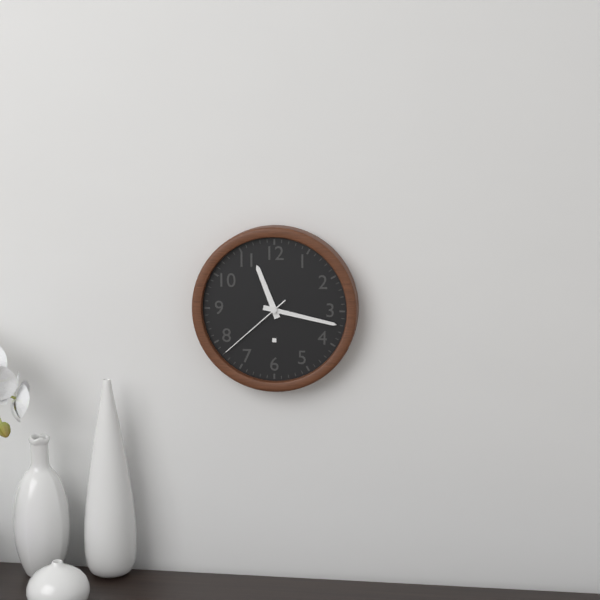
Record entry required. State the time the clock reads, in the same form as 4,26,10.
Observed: 11,17,38
